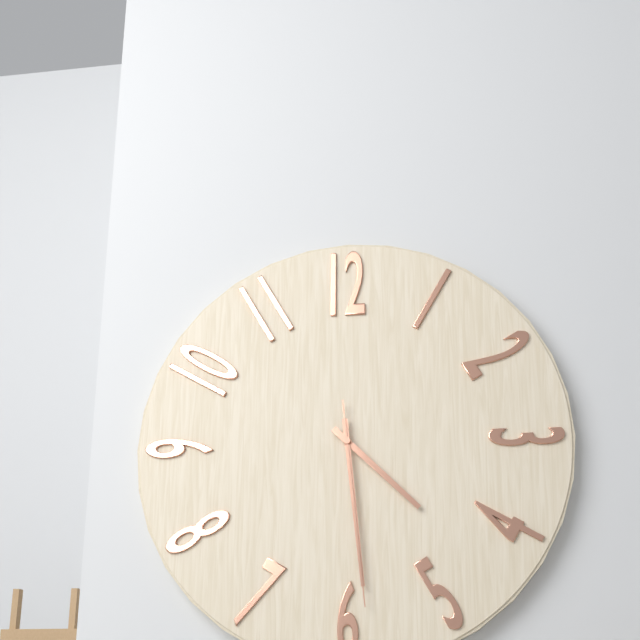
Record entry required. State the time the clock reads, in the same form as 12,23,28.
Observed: 4,29,29
